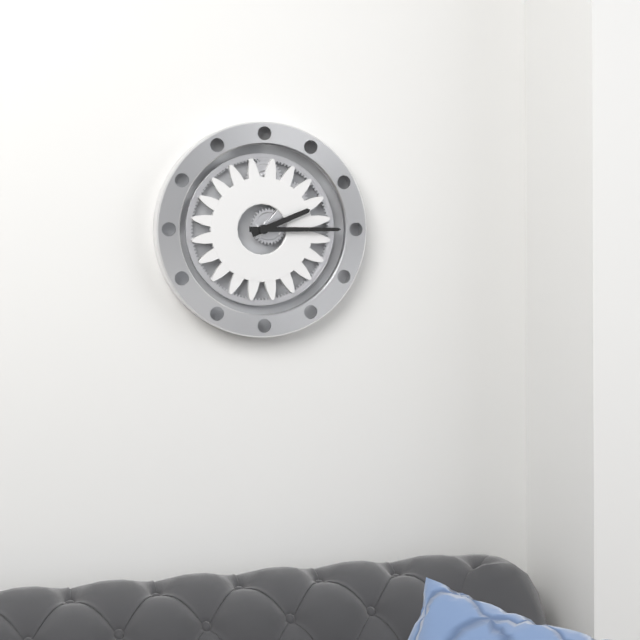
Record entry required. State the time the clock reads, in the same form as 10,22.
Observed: 2,15
